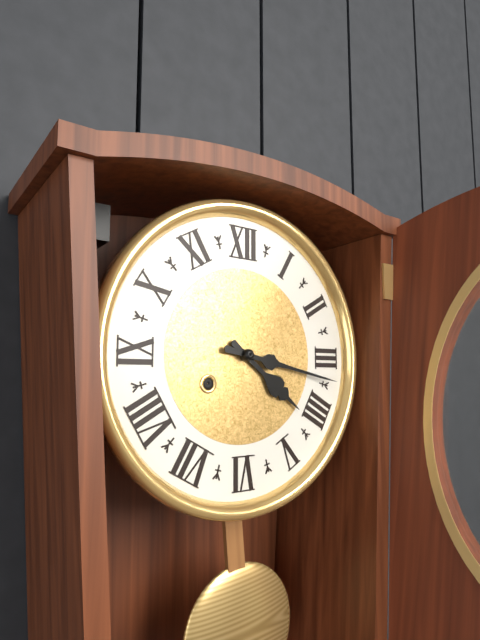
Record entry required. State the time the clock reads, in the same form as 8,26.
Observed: 4,17
